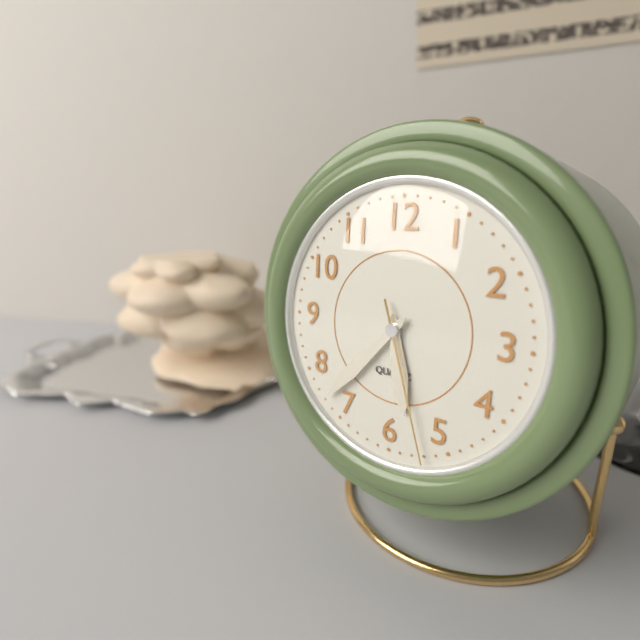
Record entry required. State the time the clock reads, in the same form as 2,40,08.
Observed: 5,37,27
